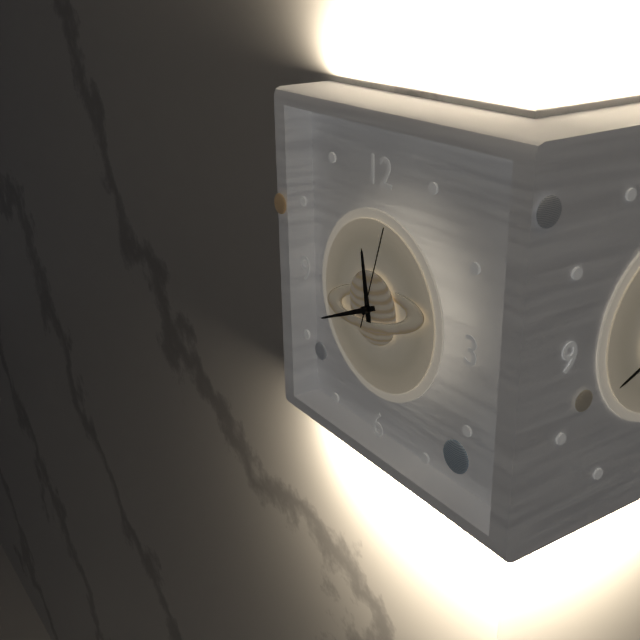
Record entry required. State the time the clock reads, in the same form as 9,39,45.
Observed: 11,41,03
